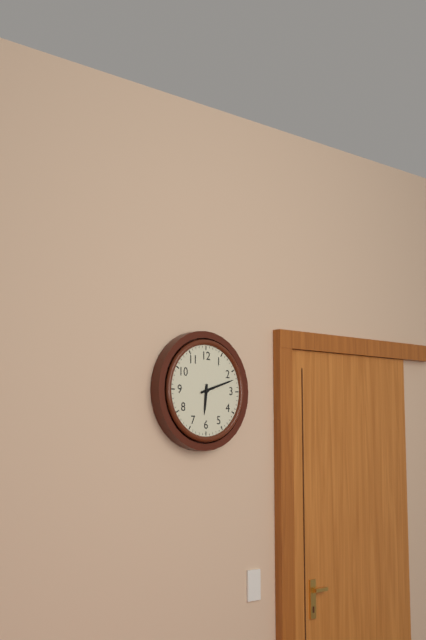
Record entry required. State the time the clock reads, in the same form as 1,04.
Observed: 6,12
